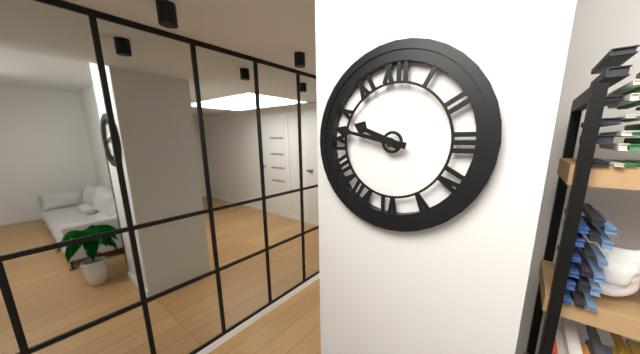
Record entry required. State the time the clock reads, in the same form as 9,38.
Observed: 9,47
